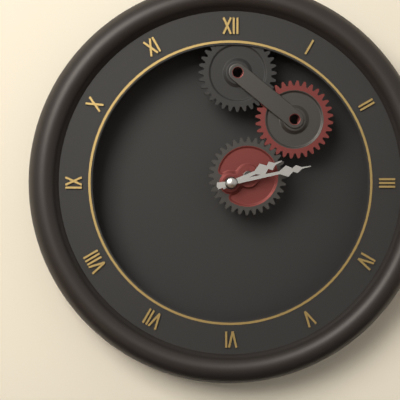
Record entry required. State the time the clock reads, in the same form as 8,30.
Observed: 2,13
